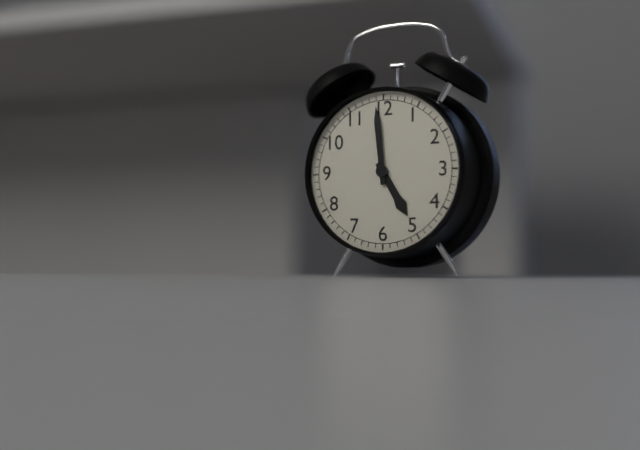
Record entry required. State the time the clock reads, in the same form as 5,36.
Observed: 4,59
